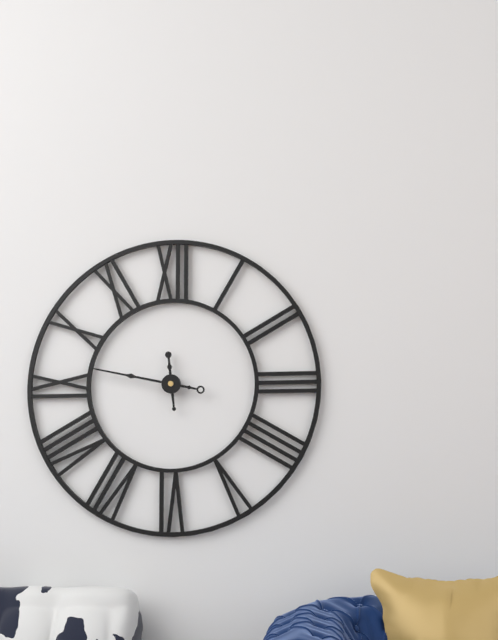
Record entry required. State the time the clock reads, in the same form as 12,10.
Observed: 11,47
